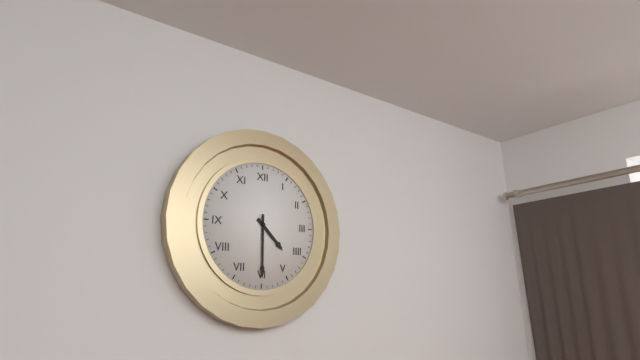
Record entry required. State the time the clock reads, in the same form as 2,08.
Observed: 4,30
